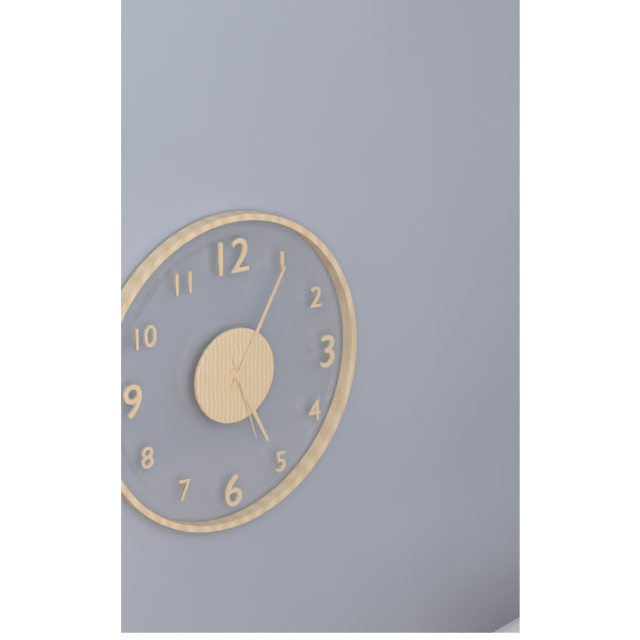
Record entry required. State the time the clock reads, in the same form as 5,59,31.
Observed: 5,05,27
